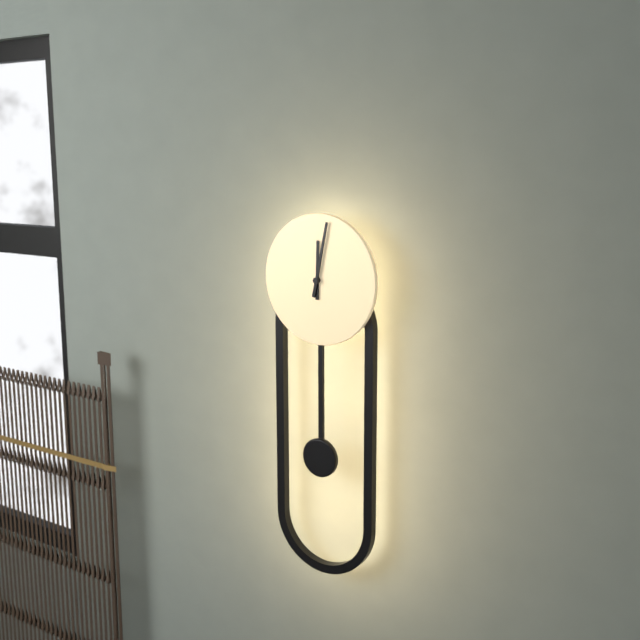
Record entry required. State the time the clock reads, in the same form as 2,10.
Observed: 12,02
